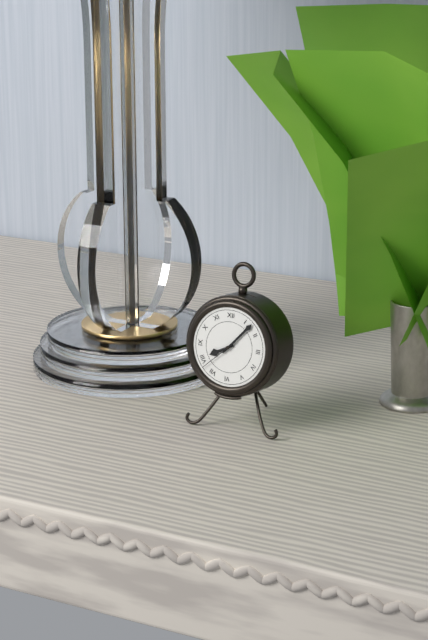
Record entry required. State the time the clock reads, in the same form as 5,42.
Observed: 8,07
